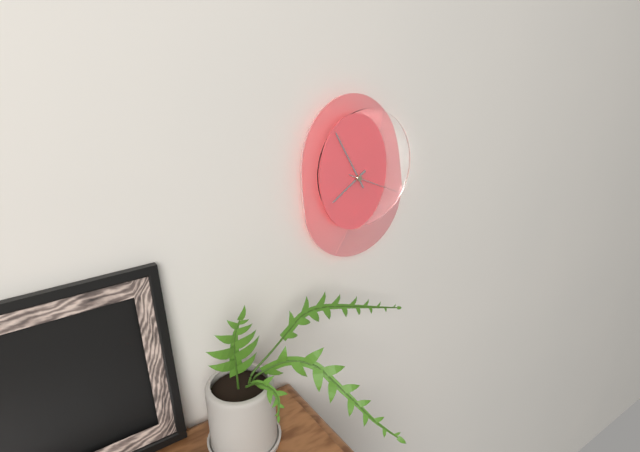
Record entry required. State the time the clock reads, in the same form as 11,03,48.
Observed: 7,55,19
